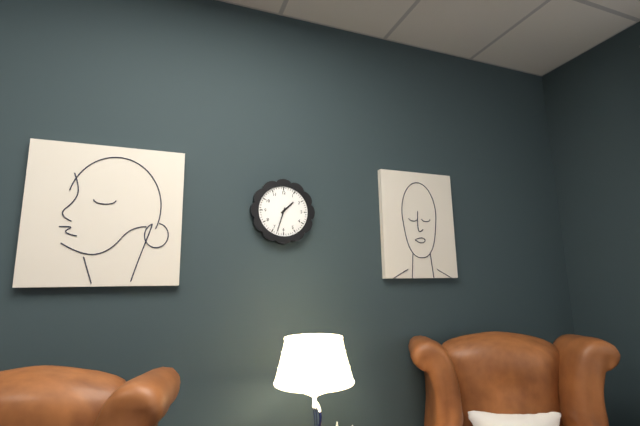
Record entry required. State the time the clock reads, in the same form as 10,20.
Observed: 1,33
